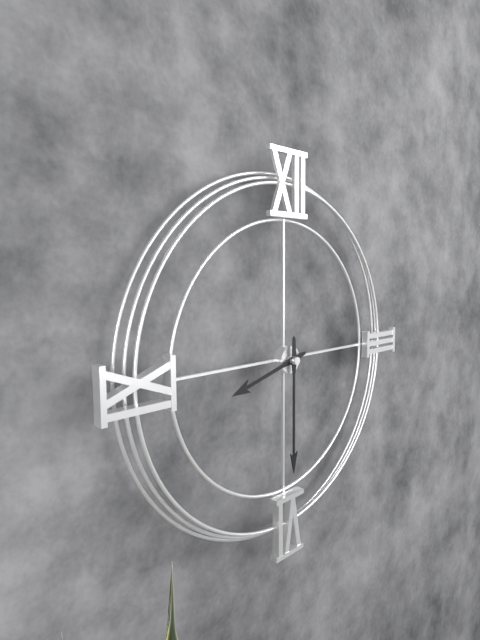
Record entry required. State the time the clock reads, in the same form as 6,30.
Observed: 8,30
